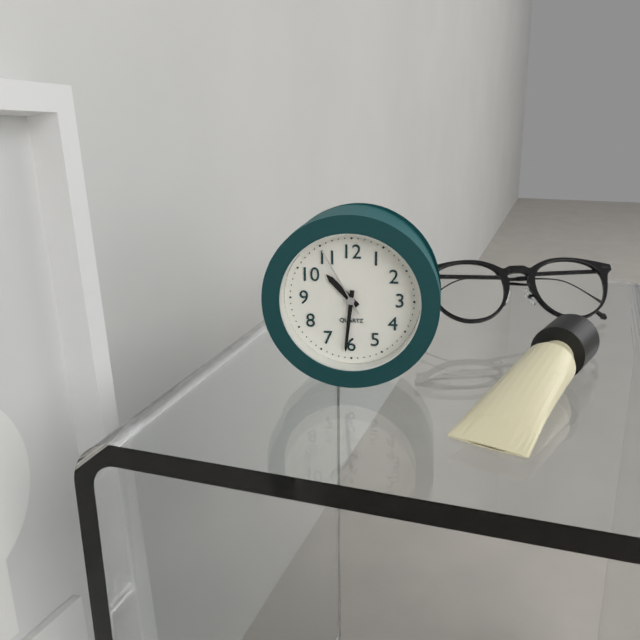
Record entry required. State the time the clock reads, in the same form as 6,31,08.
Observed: 10,31,55
